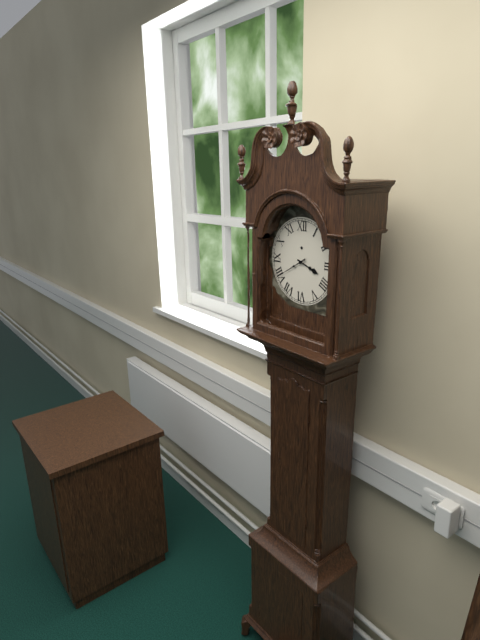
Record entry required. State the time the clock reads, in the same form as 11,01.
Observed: 3,40
